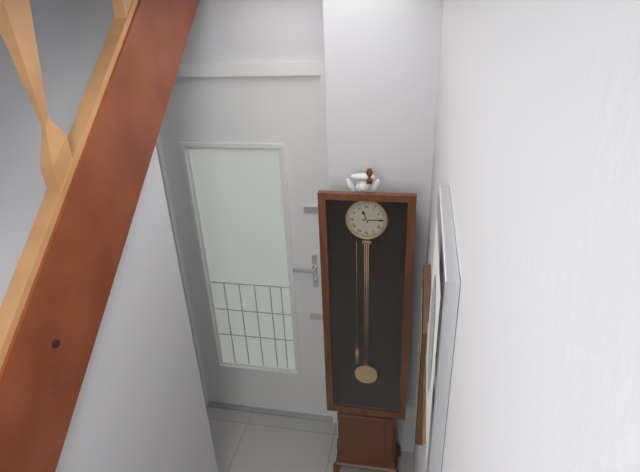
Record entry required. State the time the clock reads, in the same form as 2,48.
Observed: 11,15
